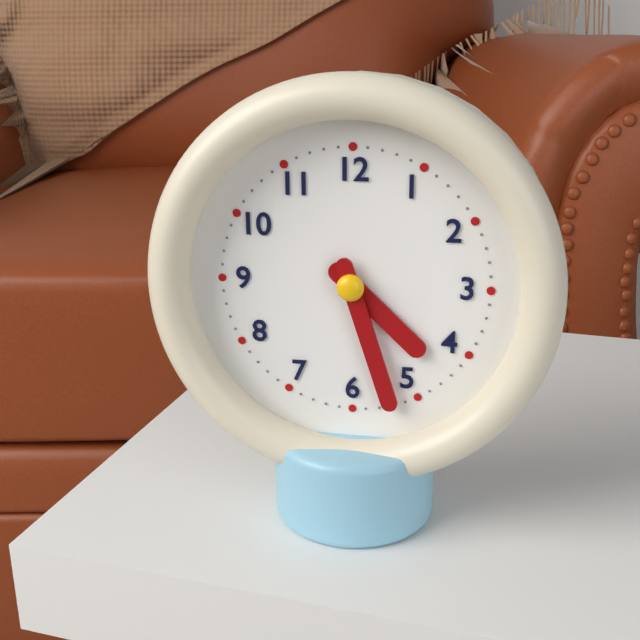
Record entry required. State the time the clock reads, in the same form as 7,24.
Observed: 4,27
